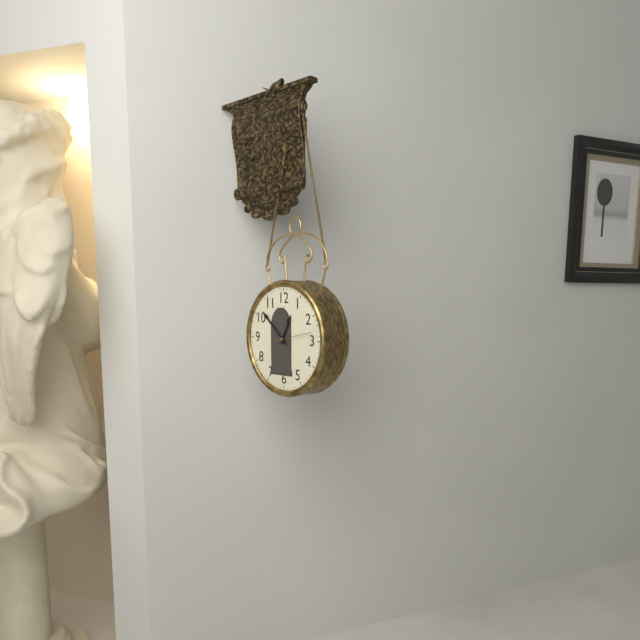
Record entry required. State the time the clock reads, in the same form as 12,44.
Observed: 12,52
